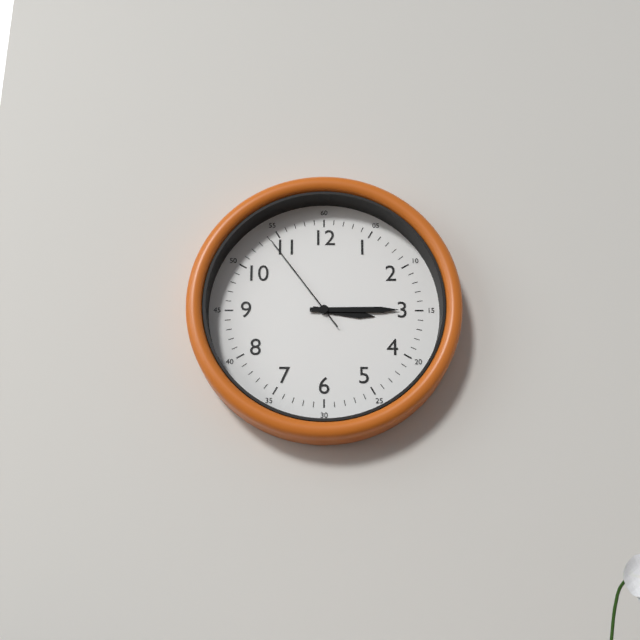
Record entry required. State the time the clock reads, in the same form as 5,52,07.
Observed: 3,15,54
